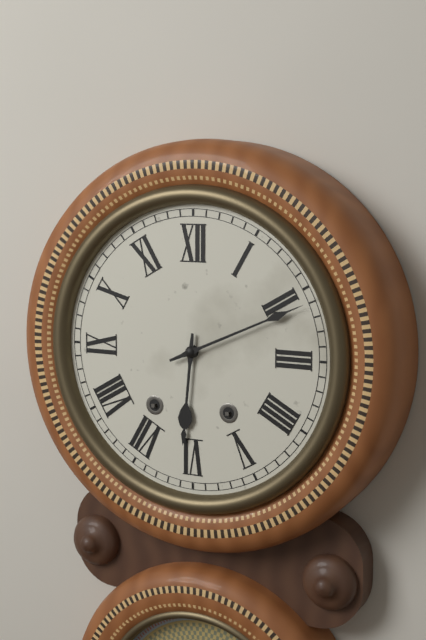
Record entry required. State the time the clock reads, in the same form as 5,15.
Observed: 6,11
